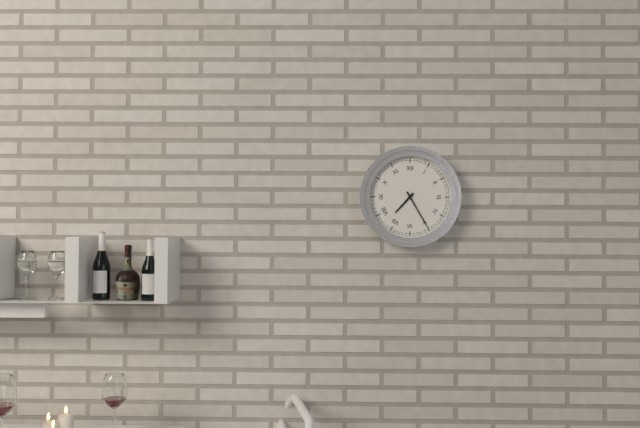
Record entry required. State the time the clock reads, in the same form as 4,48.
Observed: 7,25
